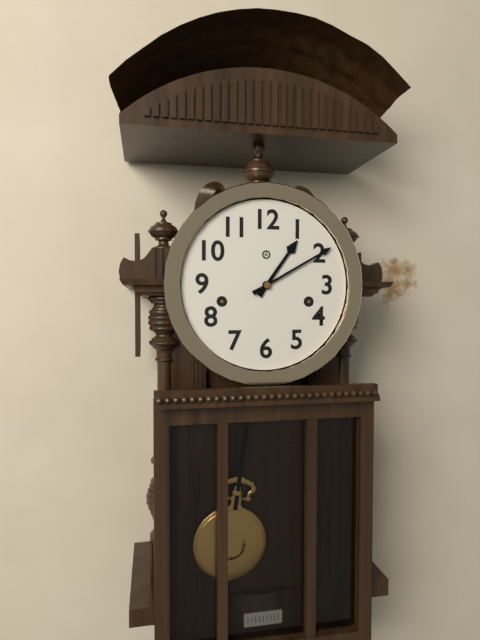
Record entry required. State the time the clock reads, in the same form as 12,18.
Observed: 1,10
